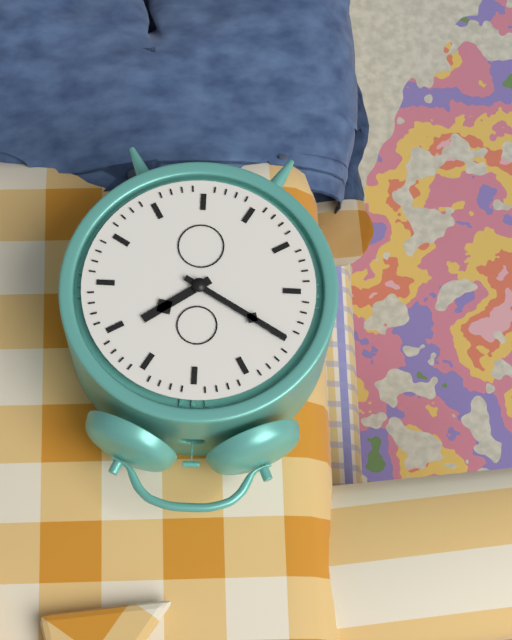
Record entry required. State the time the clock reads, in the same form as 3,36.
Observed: 1,50
